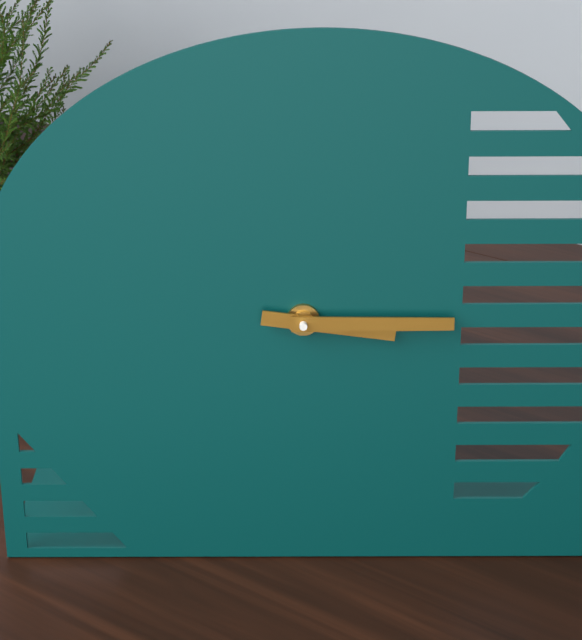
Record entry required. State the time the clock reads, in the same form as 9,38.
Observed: 3,15
